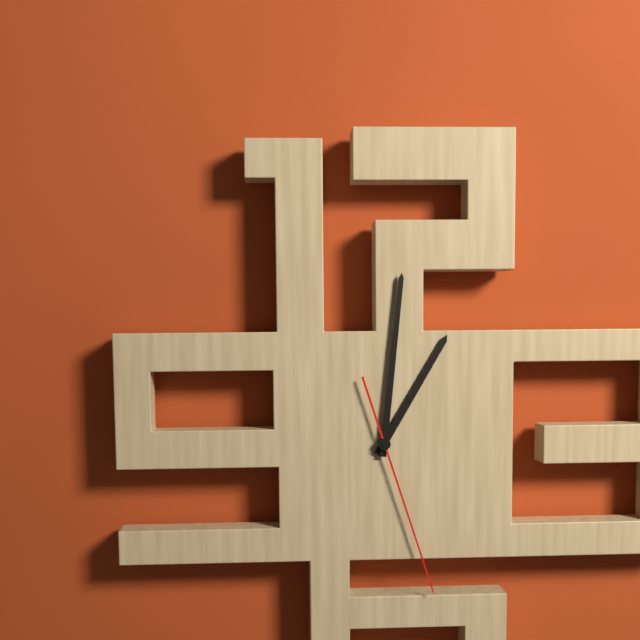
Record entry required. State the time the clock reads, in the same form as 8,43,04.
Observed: 1,01,27
